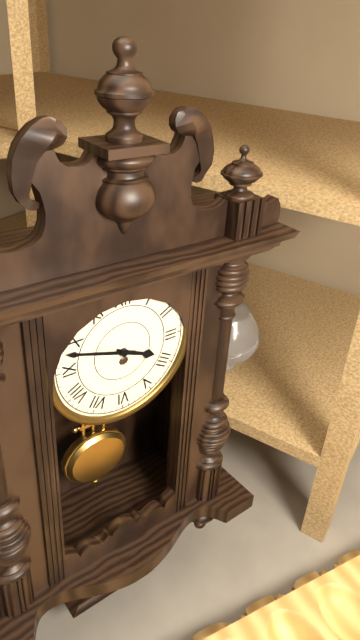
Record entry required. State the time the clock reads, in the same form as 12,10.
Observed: 3,48
